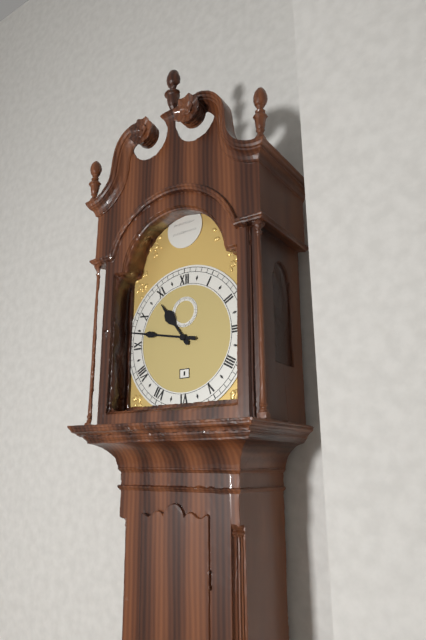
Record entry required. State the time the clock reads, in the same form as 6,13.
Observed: 10,47
